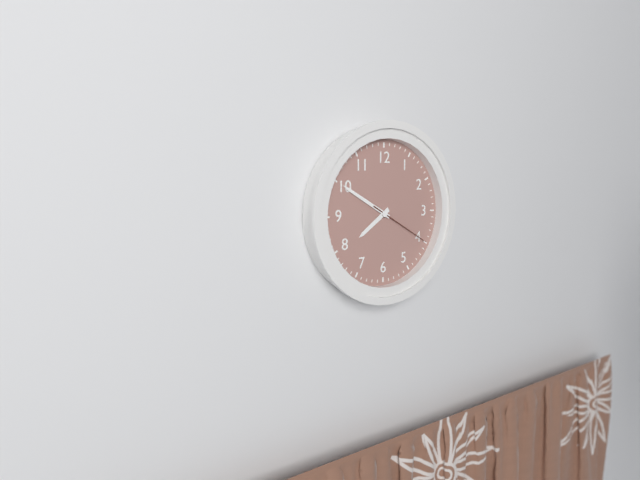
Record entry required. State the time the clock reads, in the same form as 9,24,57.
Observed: 7,50,20
